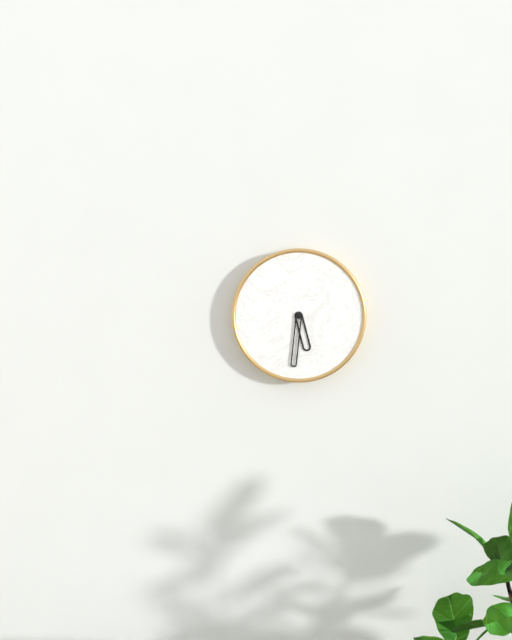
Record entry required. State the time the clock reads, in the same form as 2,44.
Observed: 5,31
